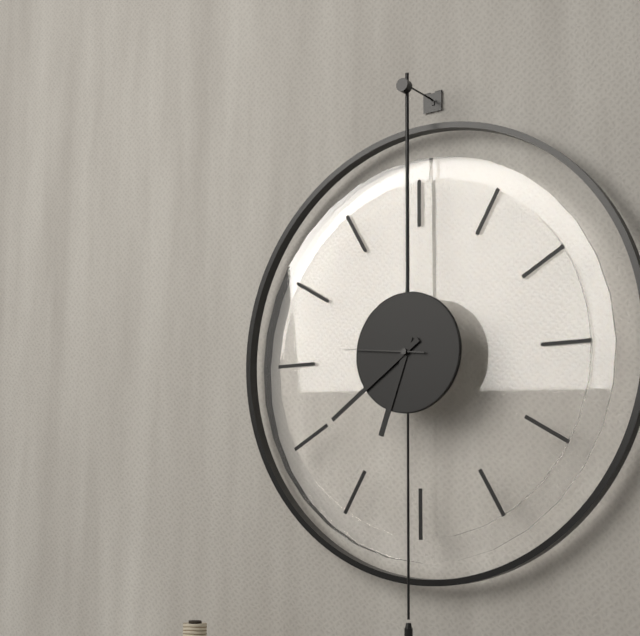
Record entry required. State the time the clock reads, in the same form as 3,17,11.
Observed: 6,39,46
